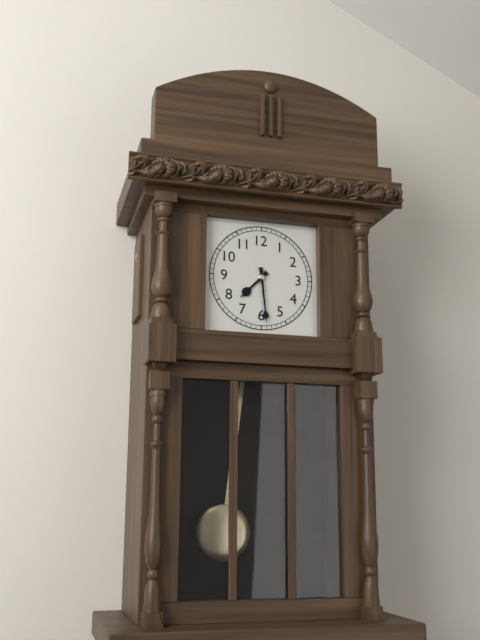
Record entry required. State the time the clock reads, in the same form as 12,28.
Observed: 7,29
